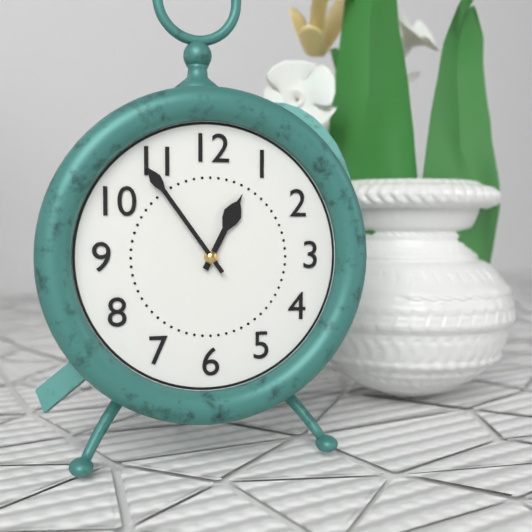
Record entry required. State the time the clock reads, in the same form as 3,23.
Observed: 12,54
